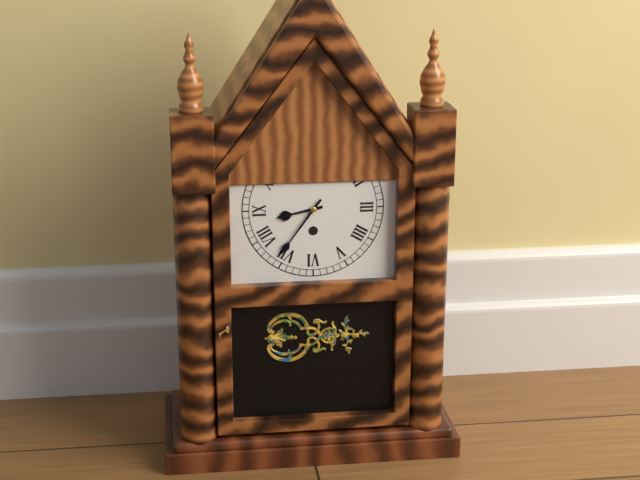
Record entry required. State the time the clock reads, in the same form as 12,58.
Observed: 8,36
